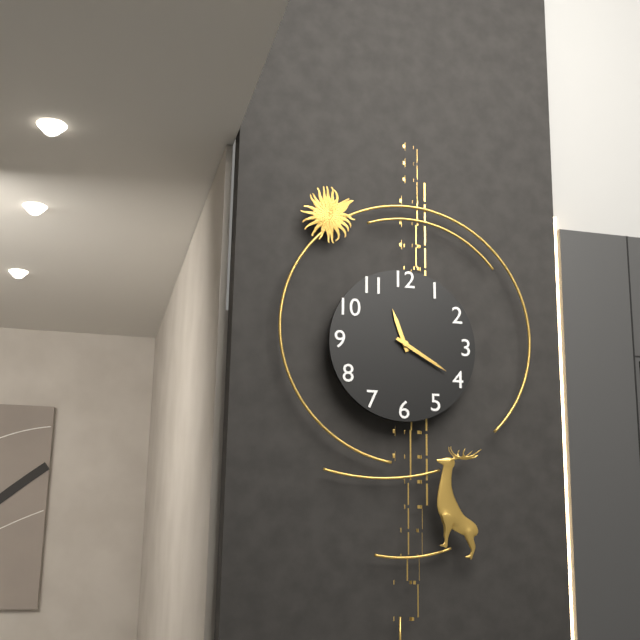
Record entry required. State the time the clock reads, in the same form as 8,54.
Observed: 11,20
